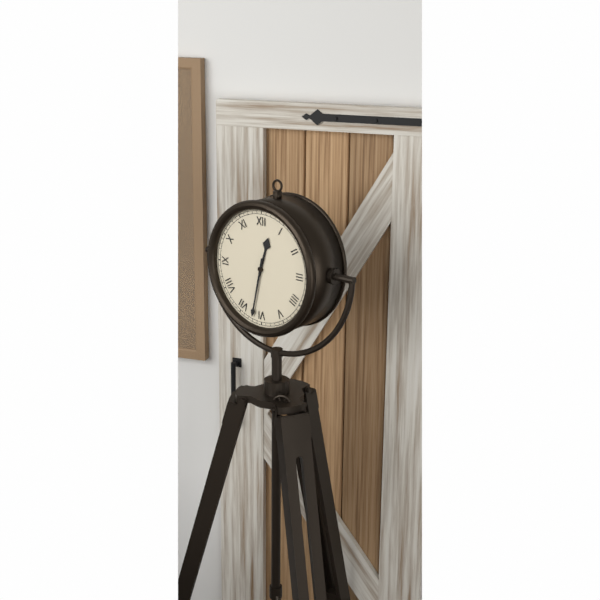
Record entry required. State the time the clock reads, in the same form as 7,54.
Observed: 12,32
